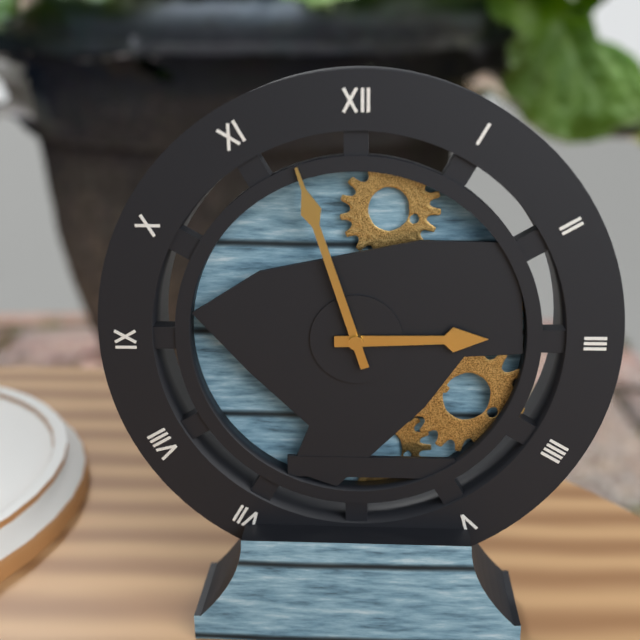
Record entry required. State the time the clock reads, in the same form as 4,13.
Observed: 2,57
